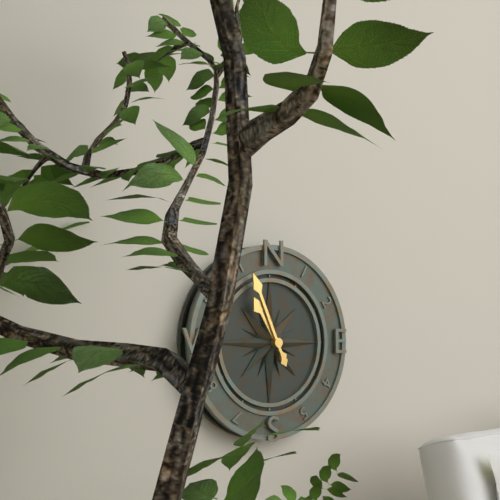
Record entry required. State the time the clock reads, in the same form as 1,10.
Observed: 10,56
